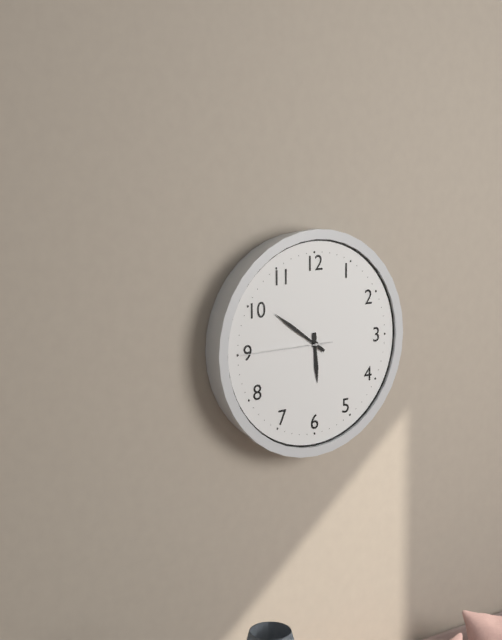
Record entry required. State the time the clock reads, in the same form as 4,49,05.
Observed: 5,51,45
